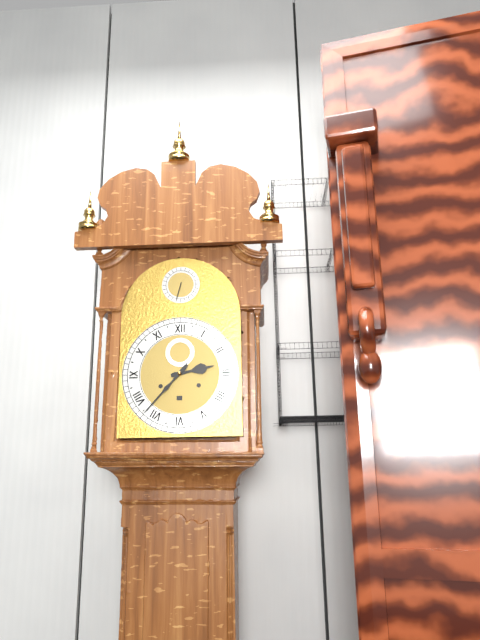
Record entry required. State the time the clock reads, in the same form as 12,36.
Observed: 2,37
